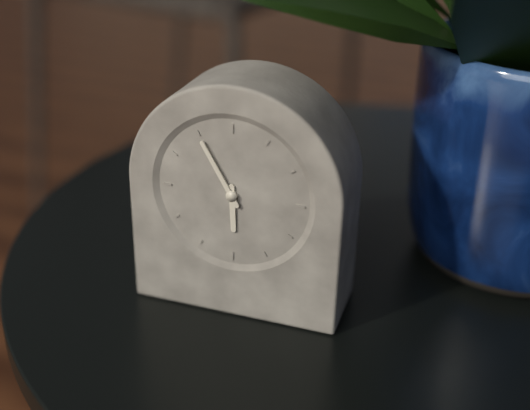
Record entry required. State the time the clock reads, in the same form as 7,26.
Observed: 5,55
